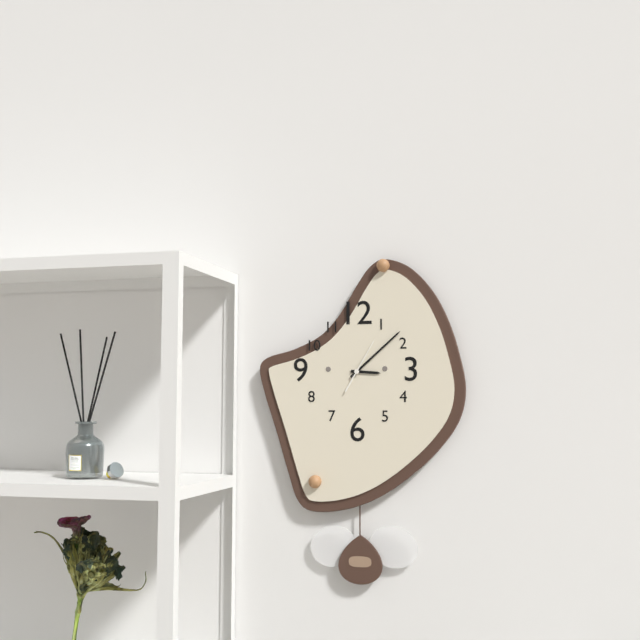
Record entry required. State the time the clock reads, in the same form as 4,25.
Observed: 3,08
